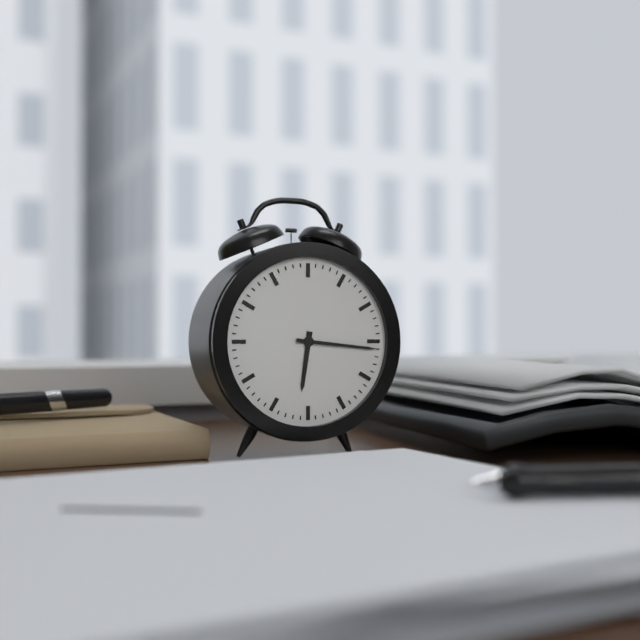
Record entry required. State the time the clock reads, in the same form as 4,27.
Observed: 6,16
